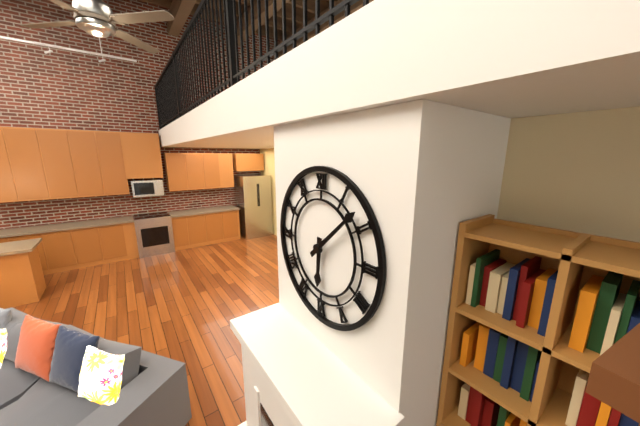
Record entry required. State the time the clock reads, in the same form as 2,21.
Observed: 6,08
